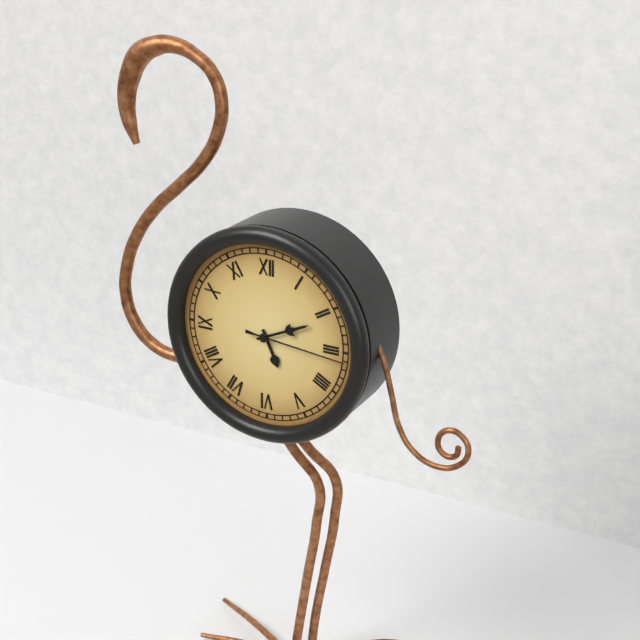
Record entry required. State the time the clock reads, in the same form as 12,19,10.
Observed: 5,11,16
